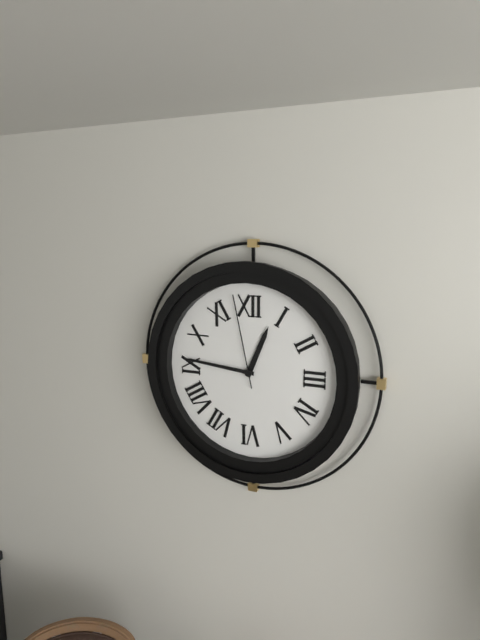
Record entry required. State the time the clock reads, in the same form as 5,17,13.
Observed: 12,46,58
